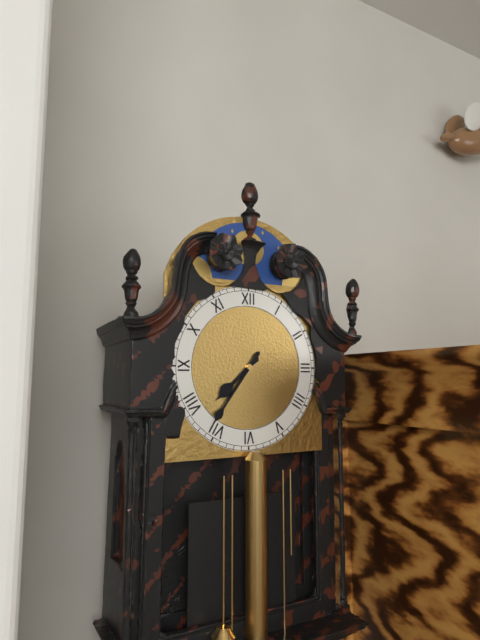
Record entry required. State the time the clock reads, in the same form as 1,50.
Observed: 7,36
